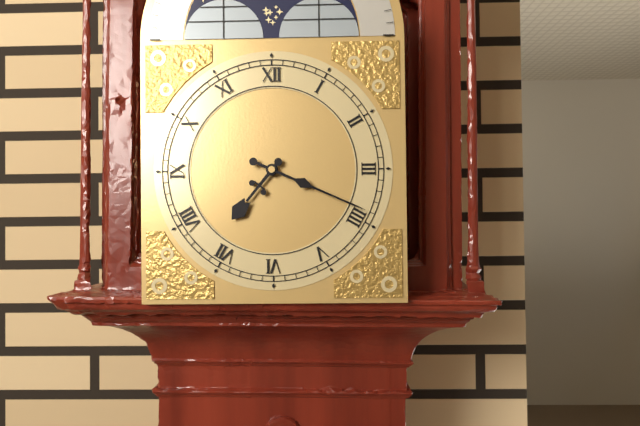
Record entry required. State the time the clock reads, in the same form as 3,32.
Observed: 7,19
